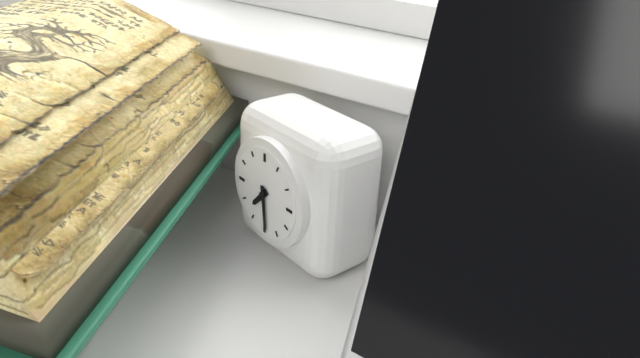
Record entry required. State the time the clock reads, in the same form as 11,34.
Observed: 7,29
